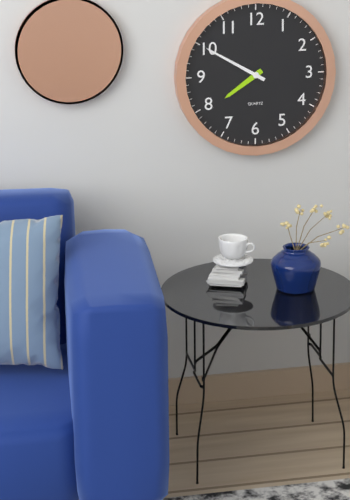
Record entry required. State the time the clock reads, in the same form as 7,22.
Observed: 7,50
